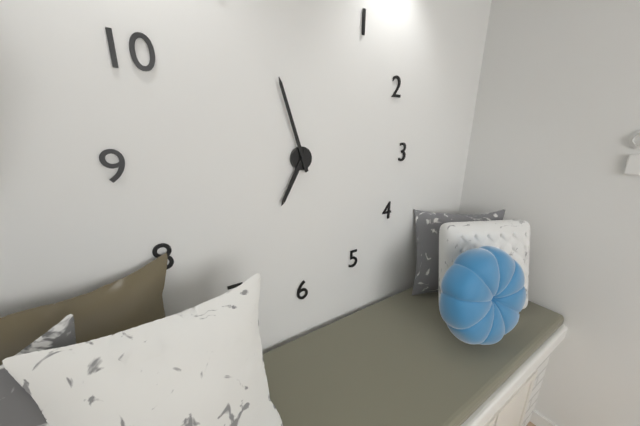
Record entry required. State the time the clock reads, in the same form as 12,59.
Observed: 6,57
